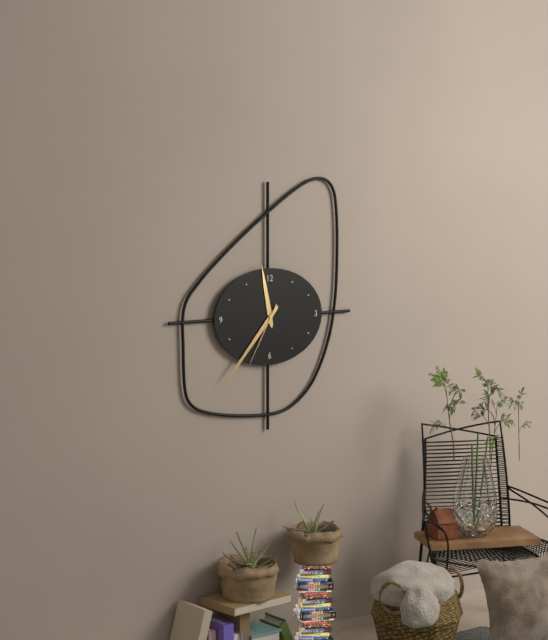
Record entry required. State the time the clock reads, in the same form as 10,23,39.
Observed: 11,37,35
